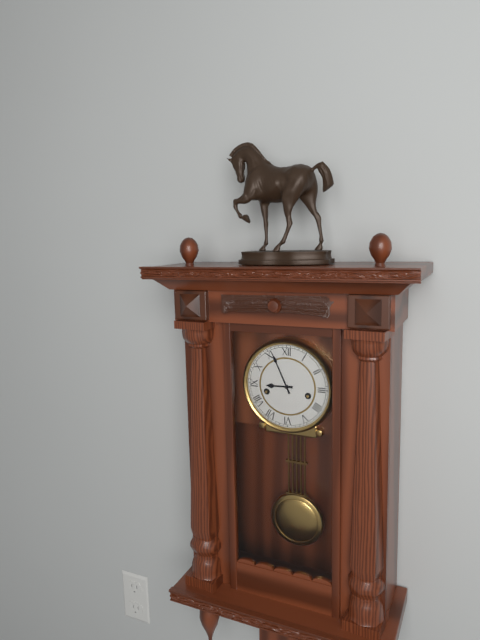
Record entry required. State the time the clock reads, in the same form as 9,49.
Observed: 8,56
